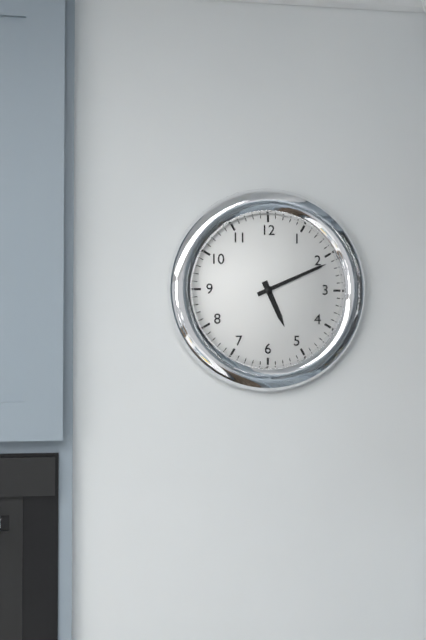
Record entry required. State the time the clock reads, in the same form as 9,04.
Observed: 5,11
